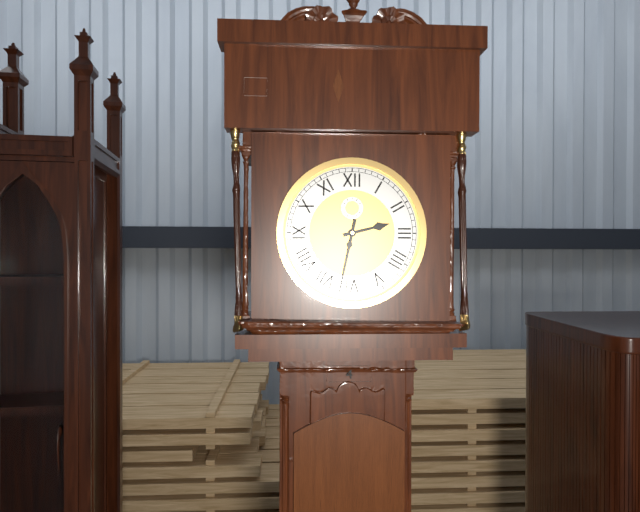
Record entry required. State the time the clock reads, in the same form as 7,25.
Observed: 2,32
